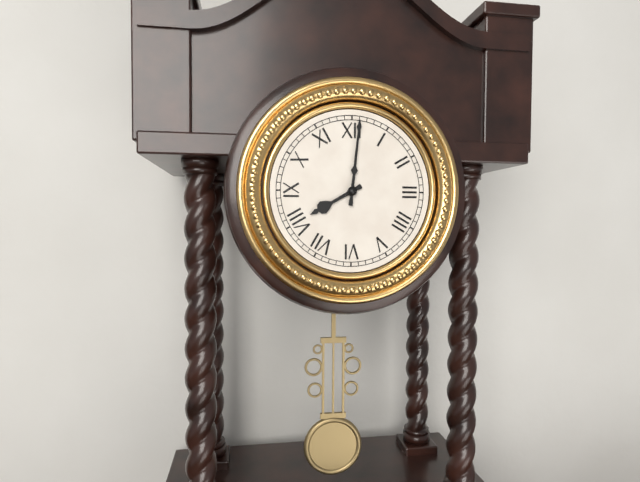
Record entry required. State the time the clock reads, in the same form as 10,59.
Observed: 8,01
